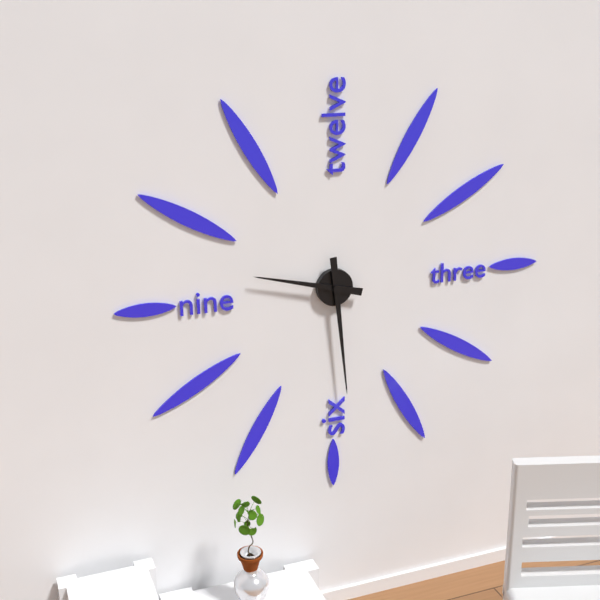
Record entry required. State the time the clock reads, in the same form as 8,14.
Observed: 9,29
